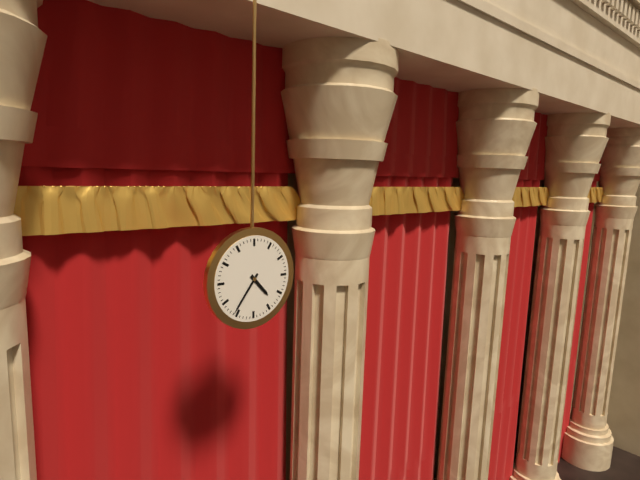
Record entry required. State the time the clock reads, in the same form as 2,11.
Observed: 4,36
